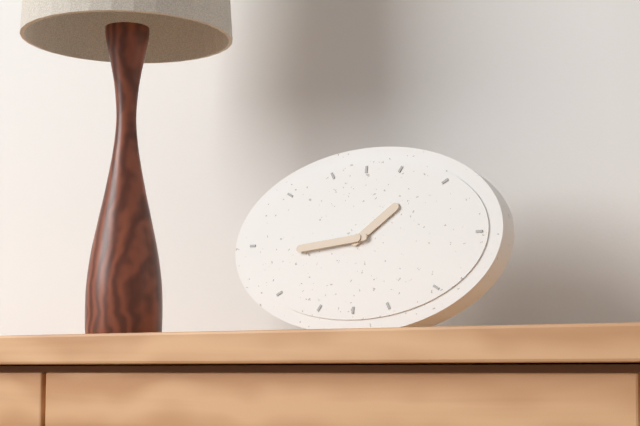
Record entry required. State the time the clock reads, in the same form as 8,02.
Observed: 1,44
